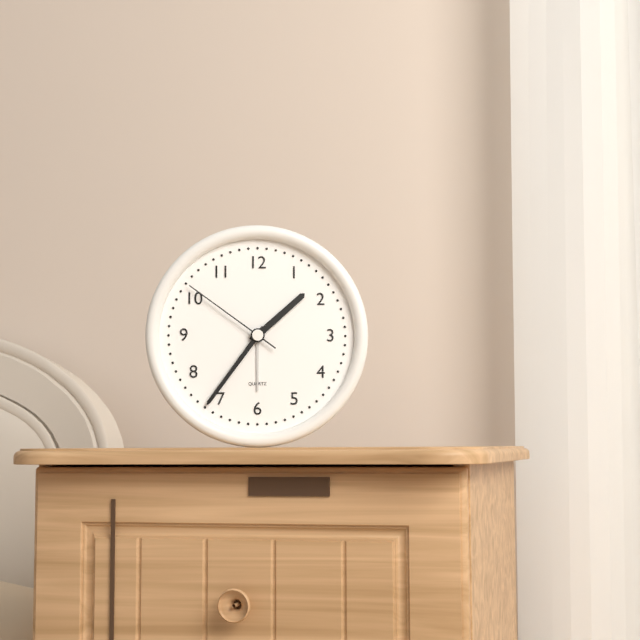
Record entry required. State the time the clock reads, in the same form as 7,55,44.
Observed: 1,36,51
